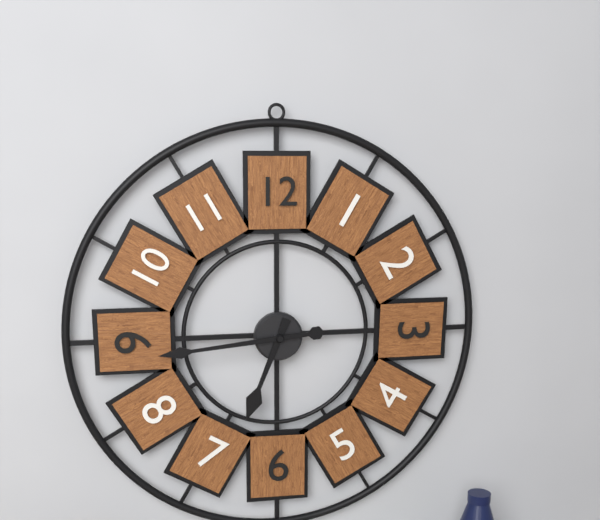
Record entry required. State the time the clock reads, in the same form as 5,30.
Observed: 6,44
